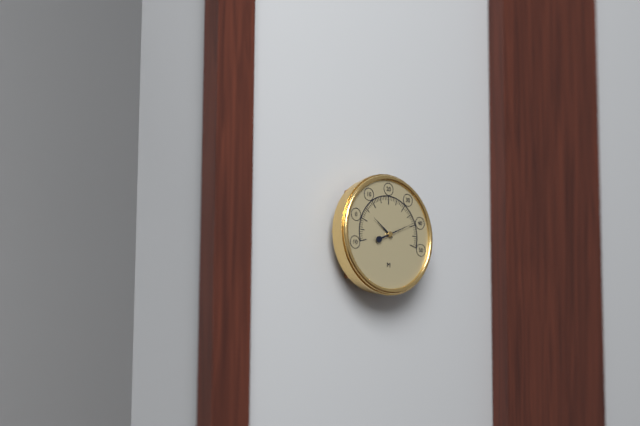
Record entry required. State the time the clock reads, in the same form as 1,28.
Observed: 10,11
